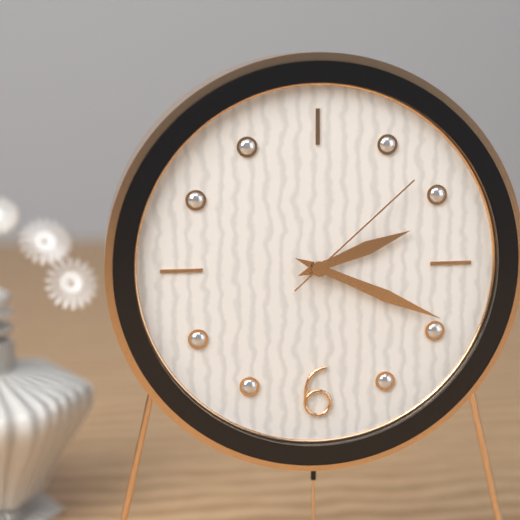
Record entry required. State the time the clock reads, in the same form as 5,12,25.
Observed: 2,19,08
